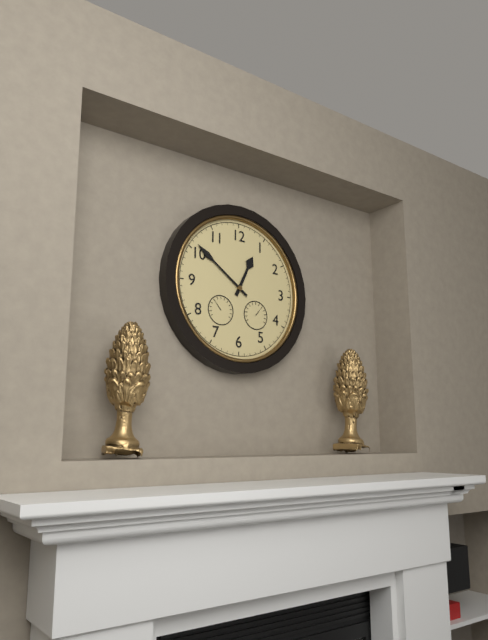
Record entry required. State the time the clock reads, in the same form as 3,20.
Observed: 12,51
